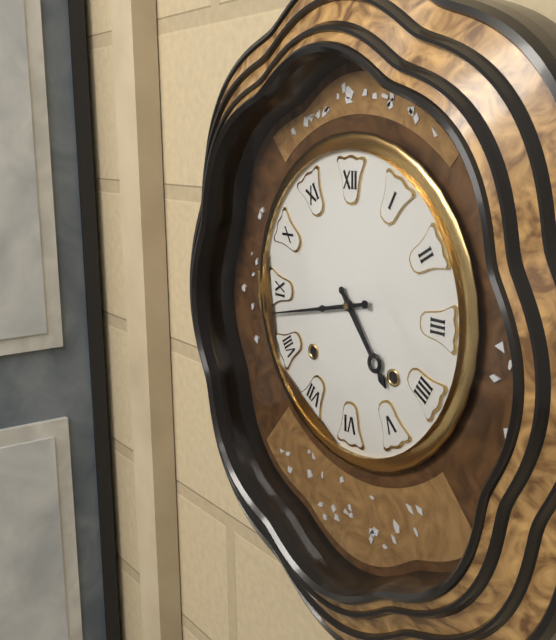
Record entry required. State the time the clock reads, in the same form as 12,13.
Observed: 4,43
